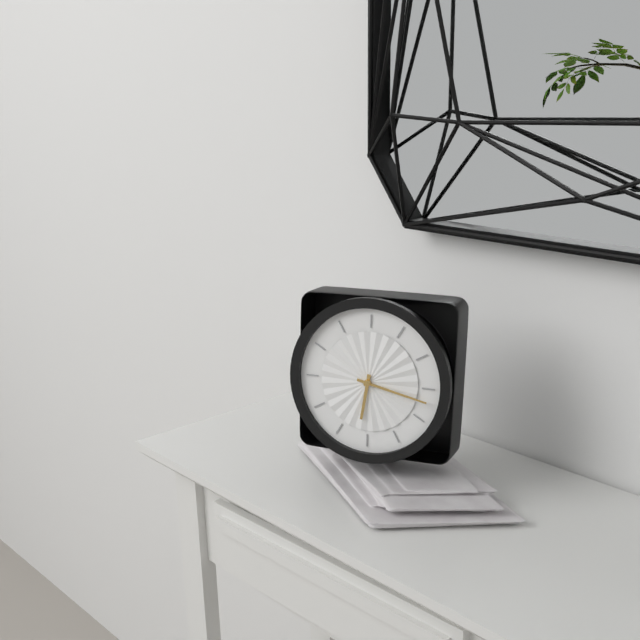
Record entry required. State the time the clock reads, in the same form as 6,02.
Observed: 6,17
